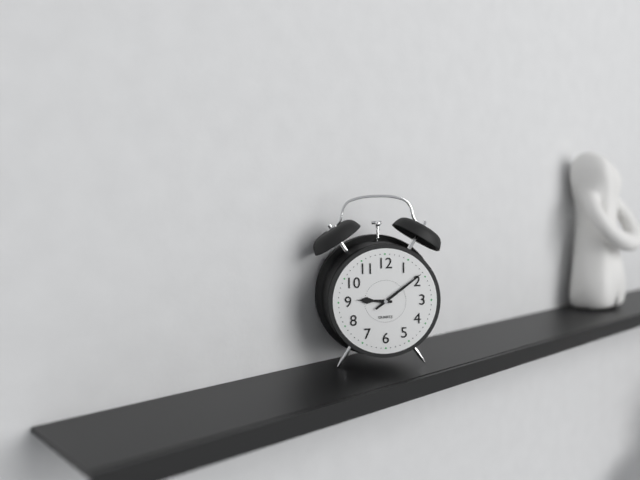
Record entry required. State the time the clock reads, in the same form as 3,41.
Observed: 9,09
